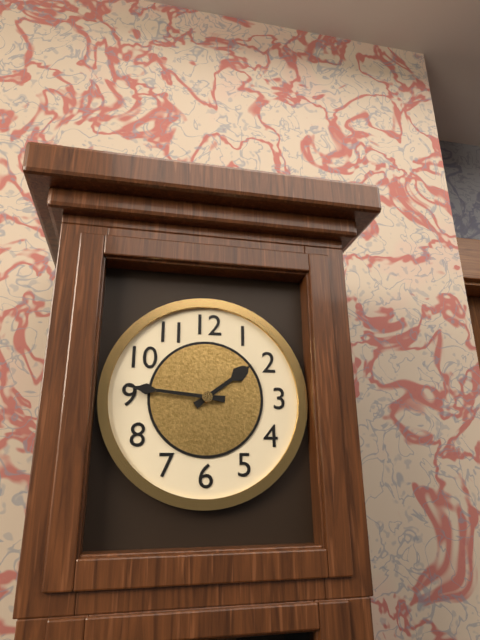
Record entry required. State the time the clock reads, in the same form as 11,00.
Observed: 1,46
